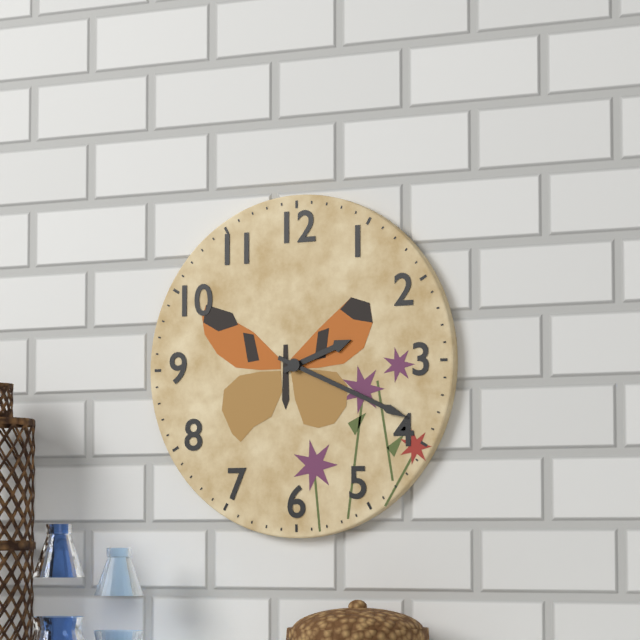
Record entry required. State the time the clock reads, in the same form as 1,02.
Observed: 2,19
